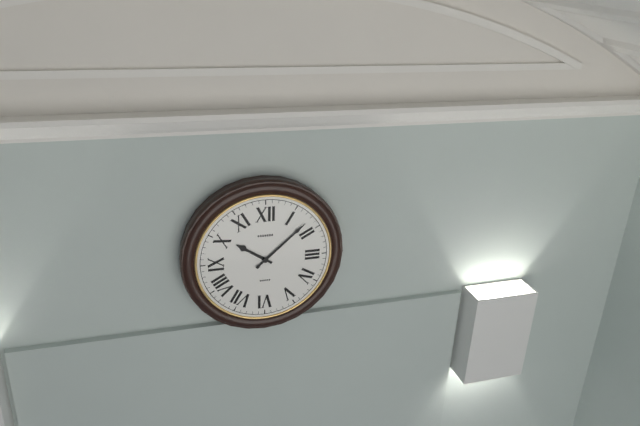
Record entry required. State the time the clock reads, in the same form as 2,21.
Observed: 10,08
